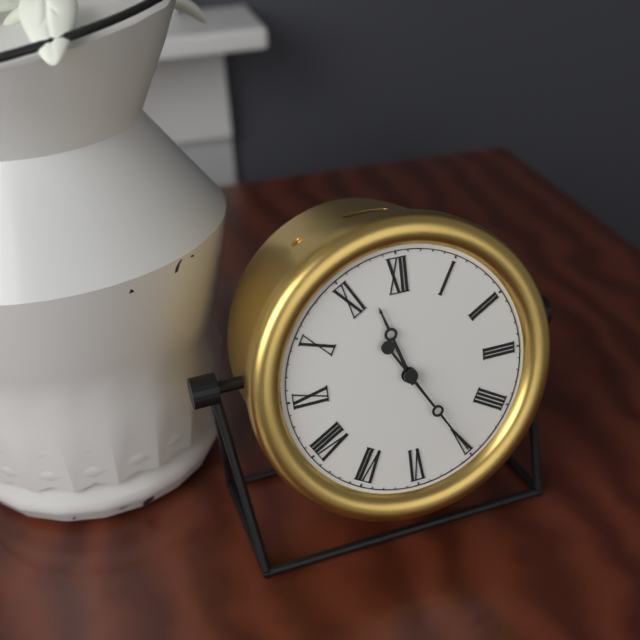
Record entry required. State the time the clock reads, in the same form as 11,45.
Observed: 11,25
